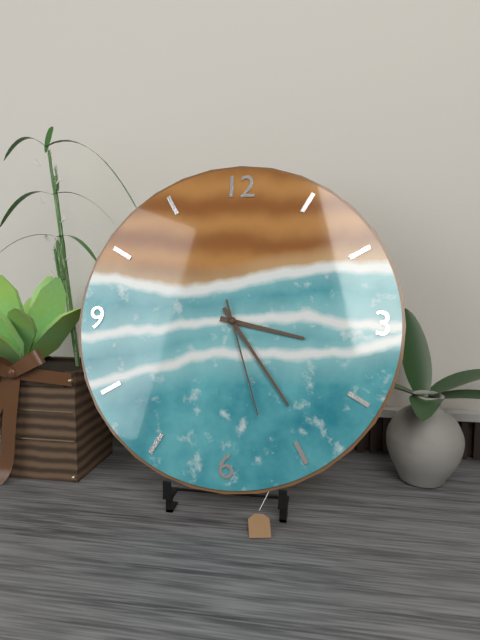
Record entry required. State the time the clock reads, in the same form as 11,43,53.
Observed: 3,24,27
